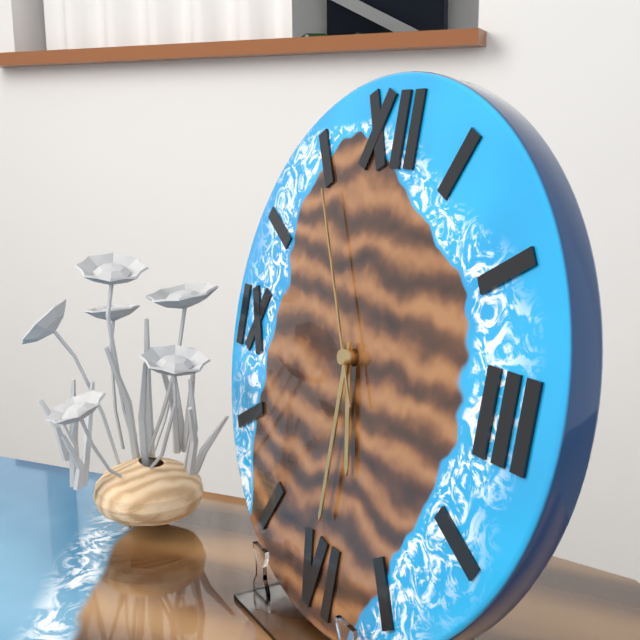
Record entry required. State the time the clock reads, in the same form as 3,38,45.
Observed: 5,30,55
